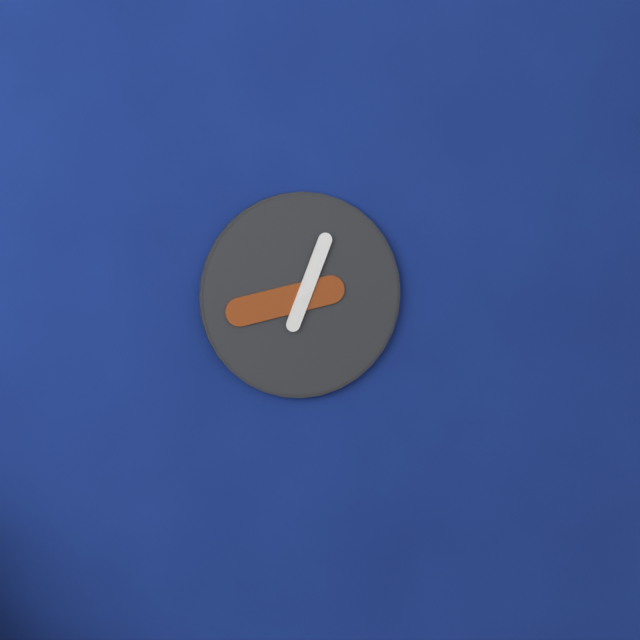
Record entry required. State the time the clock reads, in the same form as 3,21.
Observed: 12,43
